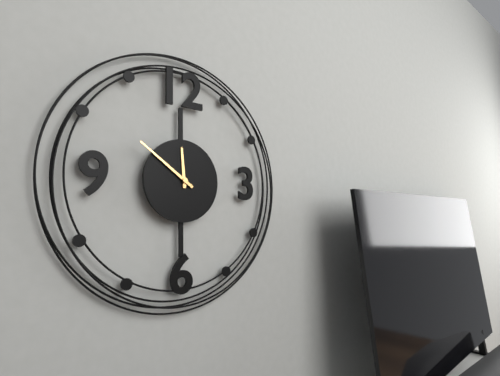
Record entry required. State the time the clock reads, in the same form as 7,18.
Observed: 11,51
